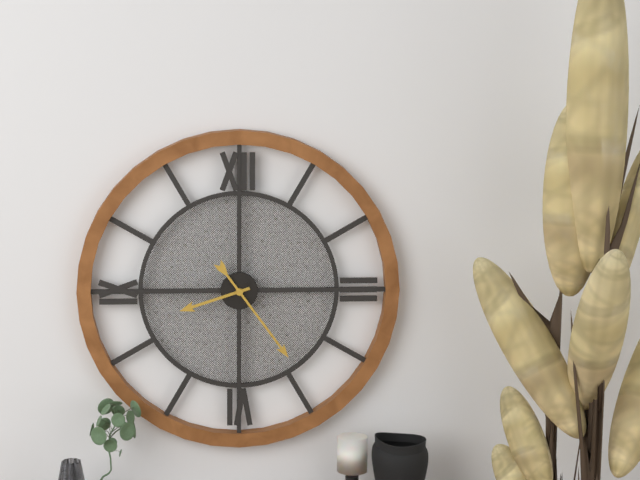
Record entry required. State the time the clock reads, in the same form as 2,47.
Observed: 8,24
